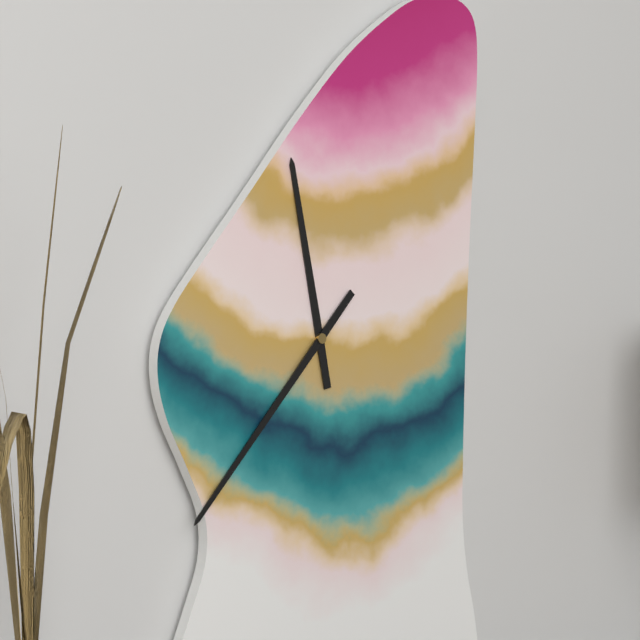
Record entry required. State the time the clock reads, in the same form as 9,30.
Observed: 11,37
